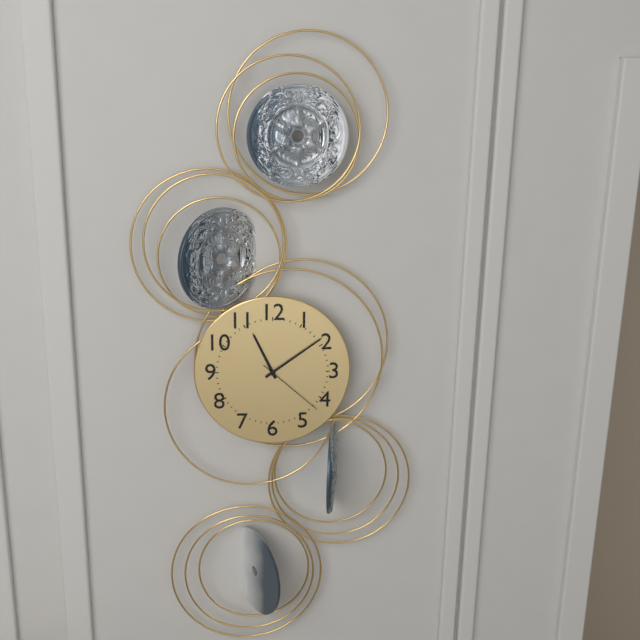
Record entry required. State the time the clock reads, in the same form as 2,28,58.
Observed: 11,09,22
